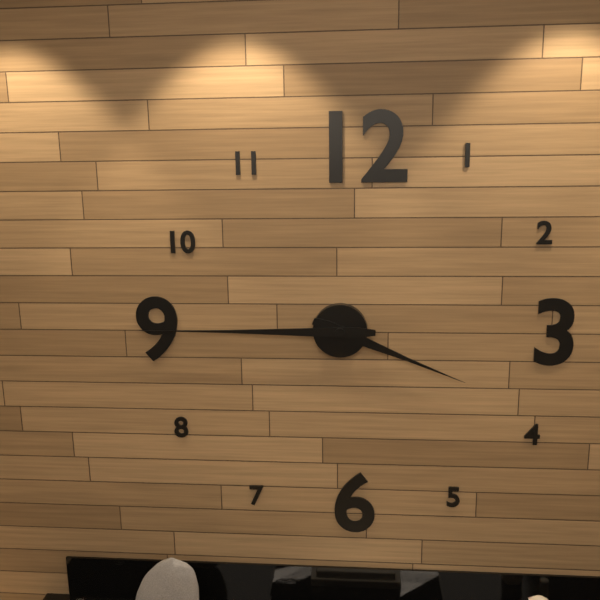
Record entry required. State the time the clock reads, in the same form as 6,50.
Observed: 3,45
